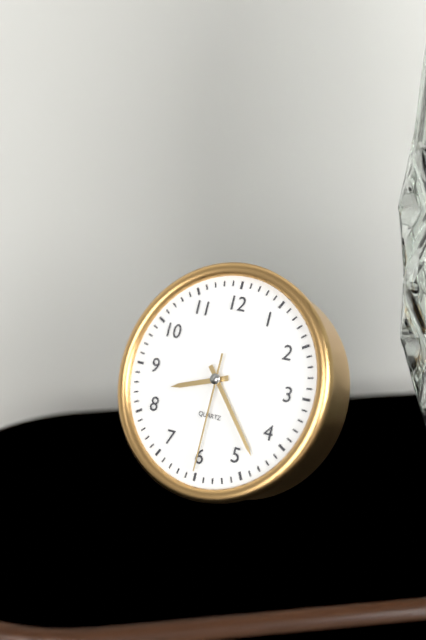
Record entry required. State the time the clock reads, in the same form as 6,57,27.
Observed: 8,23,30
